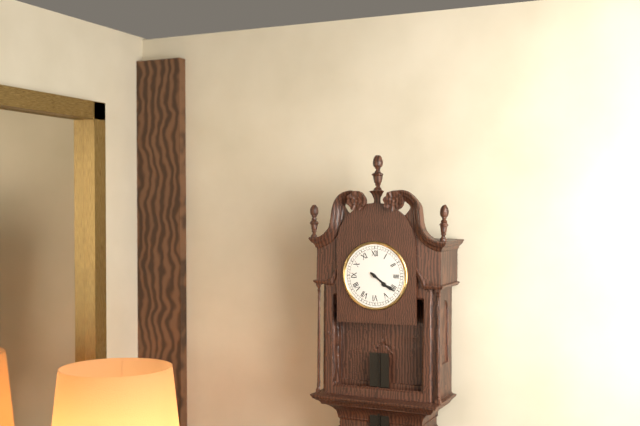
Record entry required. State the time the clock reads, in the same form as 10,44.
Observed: 4,21
